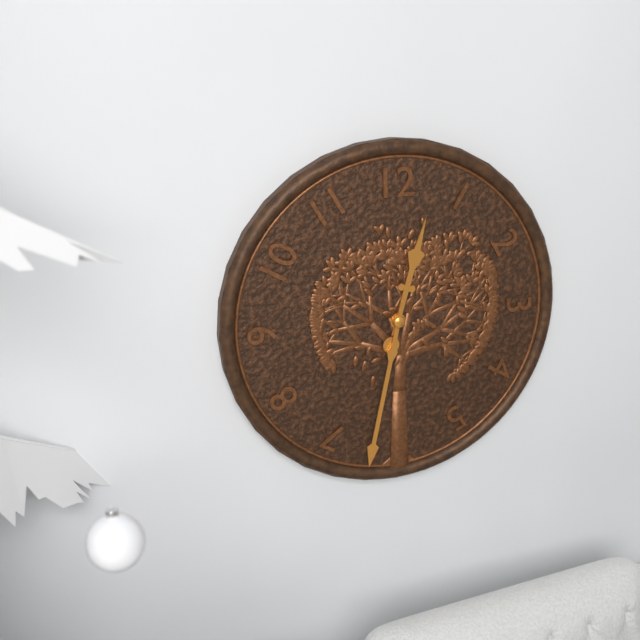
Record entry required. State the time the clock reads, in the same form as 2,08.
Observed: 12,32
